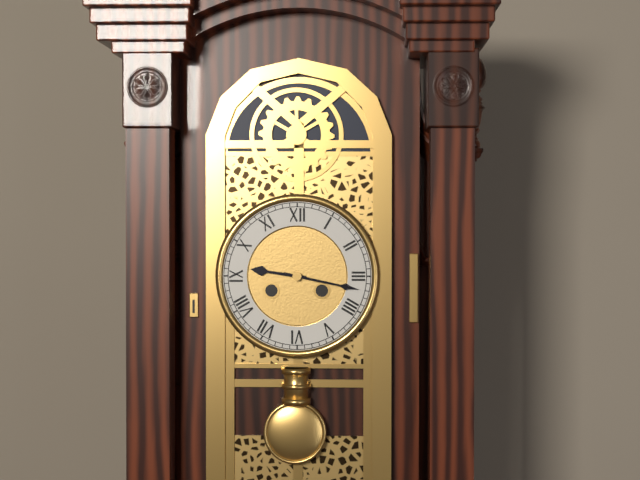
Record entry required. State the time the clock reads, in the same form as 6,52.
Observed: 9,17
